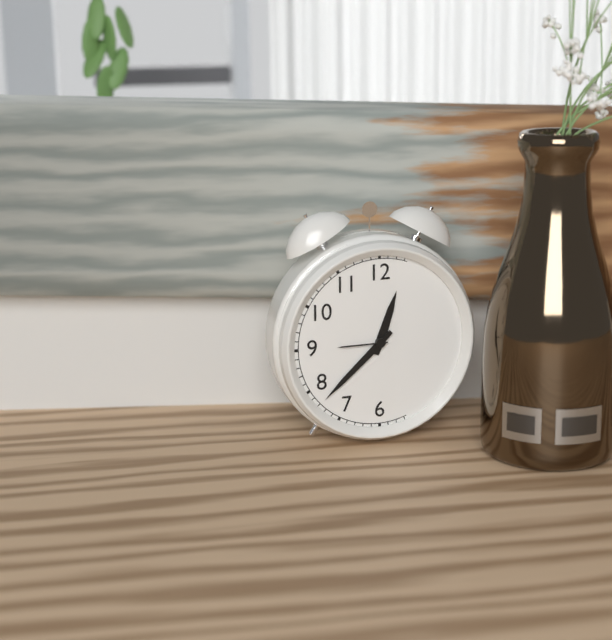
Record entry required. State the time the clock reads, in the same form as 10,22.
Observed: 12,38
